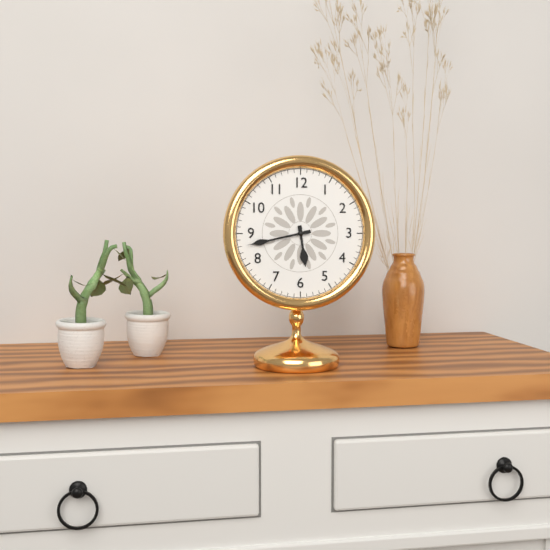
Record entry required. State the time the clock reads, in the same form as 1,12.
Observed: 5,43
